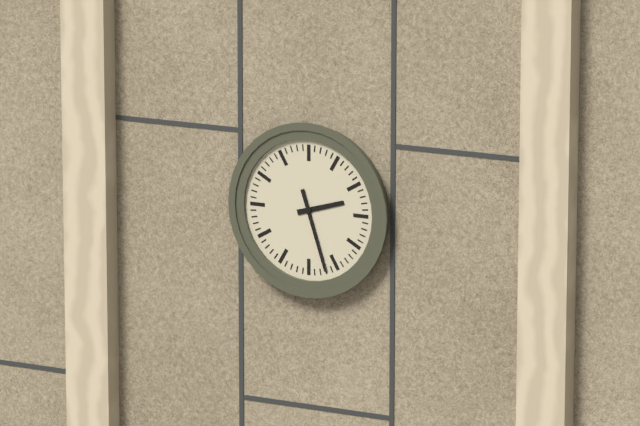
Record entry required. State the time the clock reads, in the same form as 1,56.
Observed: 2,27
